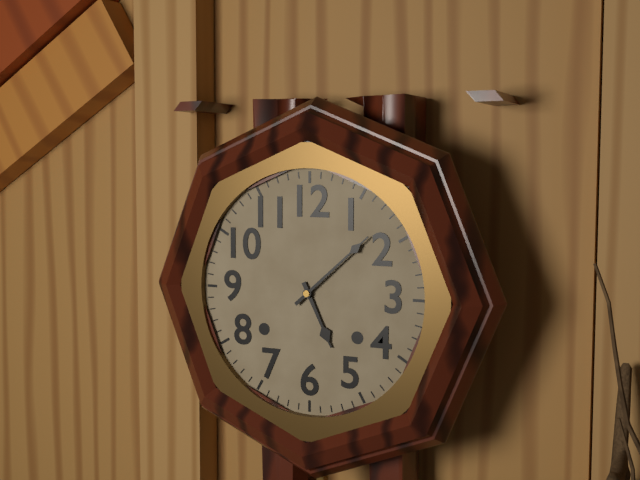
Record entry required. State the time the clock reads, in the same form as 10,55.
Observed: 5,08
